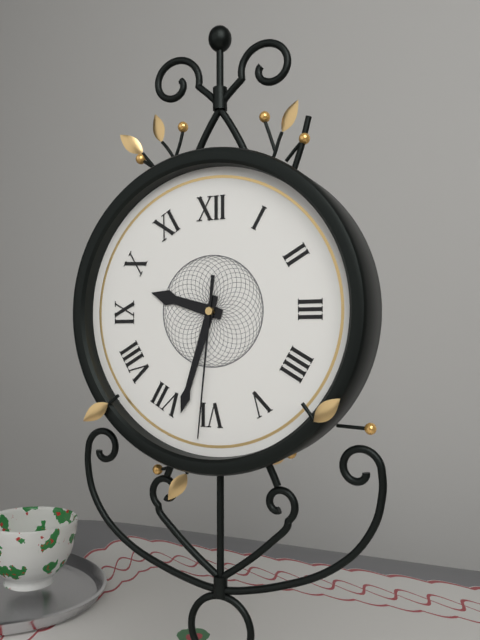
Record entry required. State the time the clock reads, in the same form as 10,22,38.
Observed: 9,33,31
